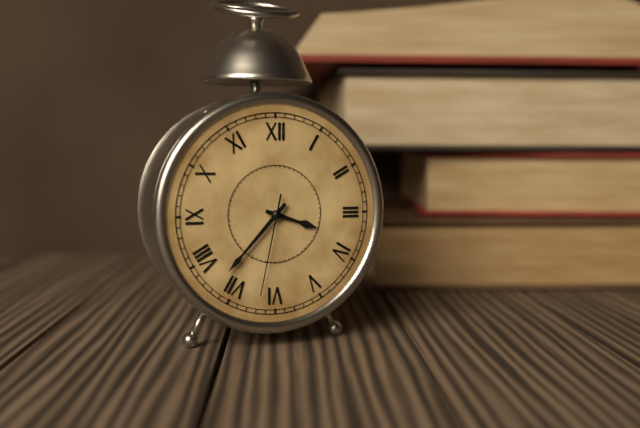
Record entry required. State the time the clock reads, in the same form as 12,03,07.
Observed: 3,37,32
